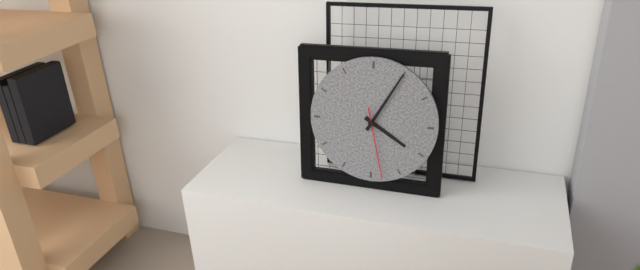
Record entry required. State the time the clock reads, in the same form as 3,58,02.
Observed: 4,05,28
